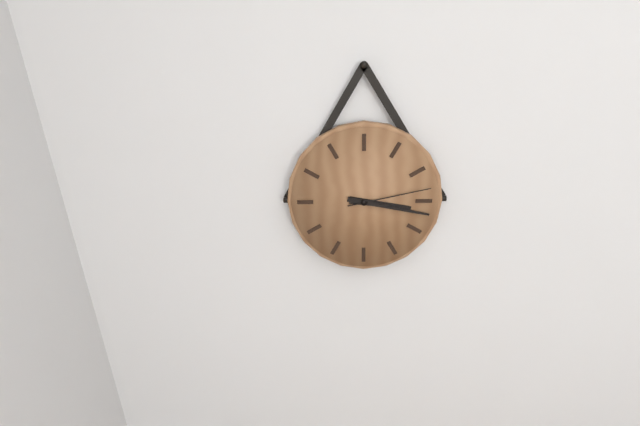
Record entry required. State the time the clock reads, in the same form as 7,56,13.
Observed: 3,17,13
